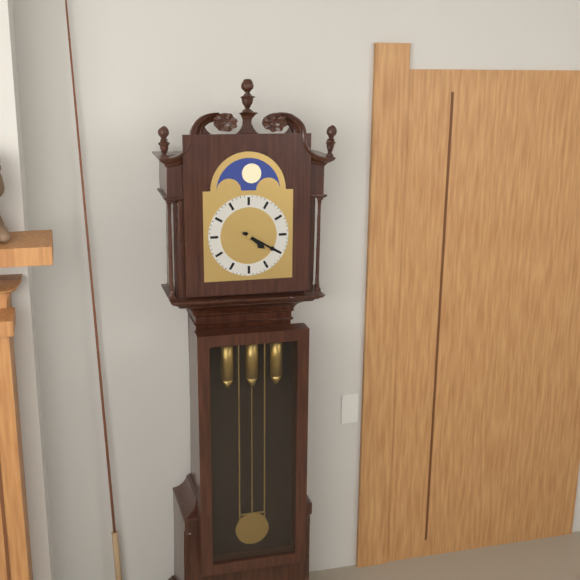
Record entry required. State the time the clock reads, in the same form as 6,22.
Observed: 4,20
